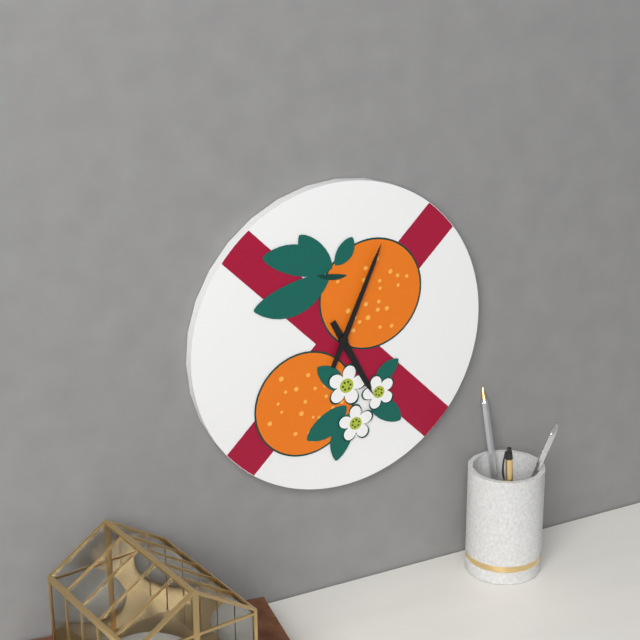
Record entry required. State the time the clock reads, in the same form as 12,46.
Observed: 5,04
